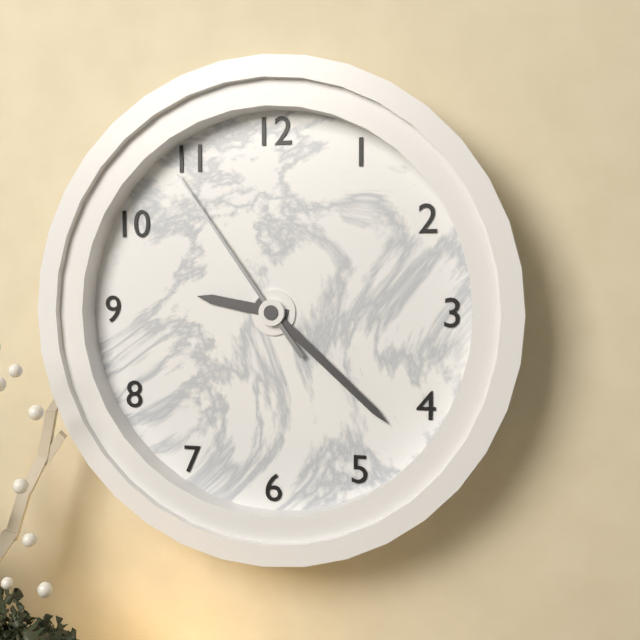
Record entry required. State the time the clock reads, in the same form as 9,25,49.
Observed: 9,22,54
